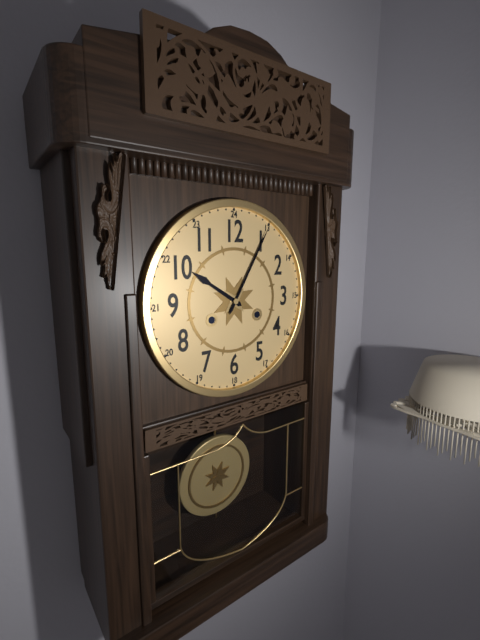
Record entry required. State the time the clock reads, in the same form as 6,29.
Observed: 10,05
